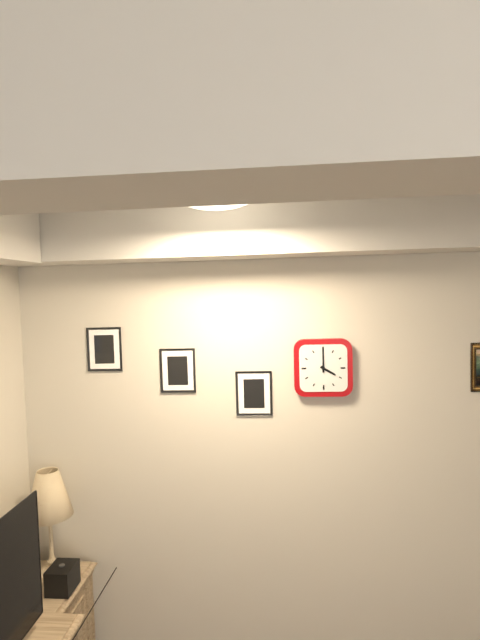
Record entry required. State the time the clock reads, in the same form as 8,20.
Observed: 4,00
